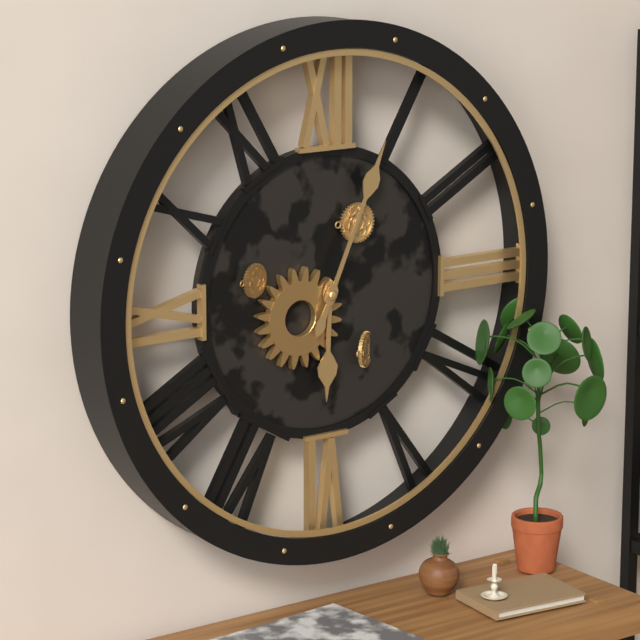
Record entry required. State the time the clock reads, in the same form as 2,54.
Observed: 6,04
